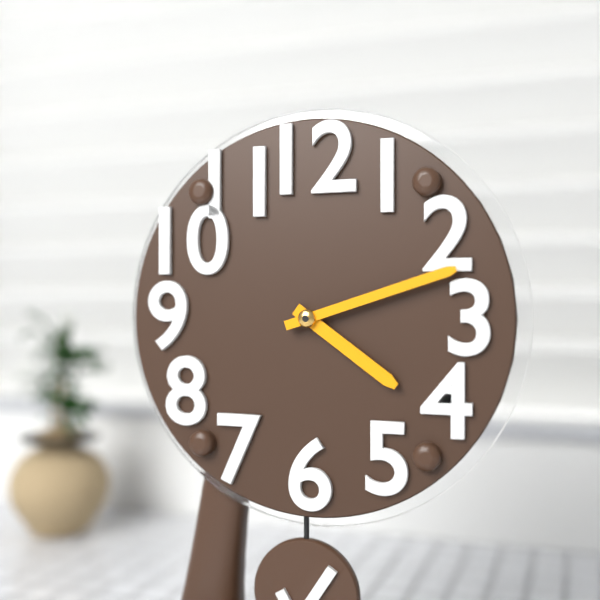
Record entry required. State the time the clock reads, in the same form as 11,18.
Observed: 4,12
